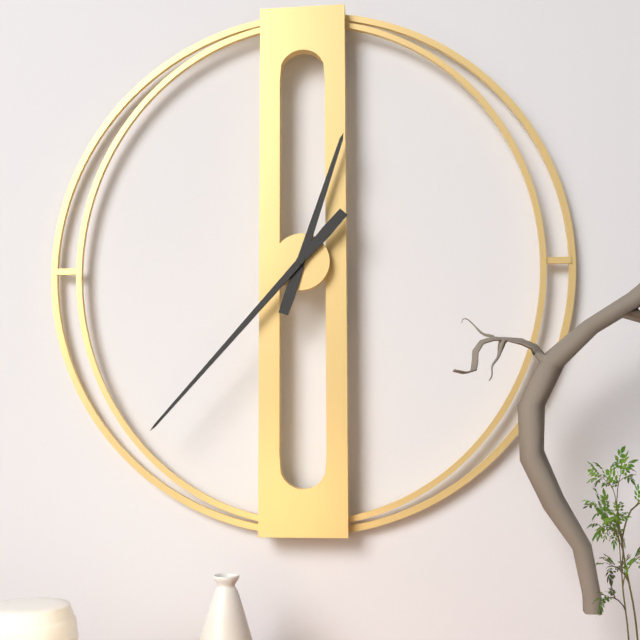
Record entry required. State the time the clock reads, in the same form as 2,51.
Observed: 12,37
